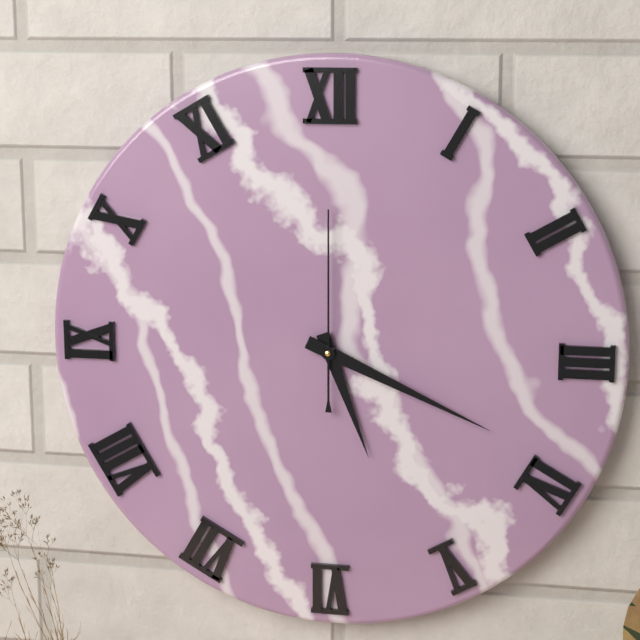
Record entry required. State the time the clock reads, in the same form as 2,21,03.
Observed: 5,19,00
